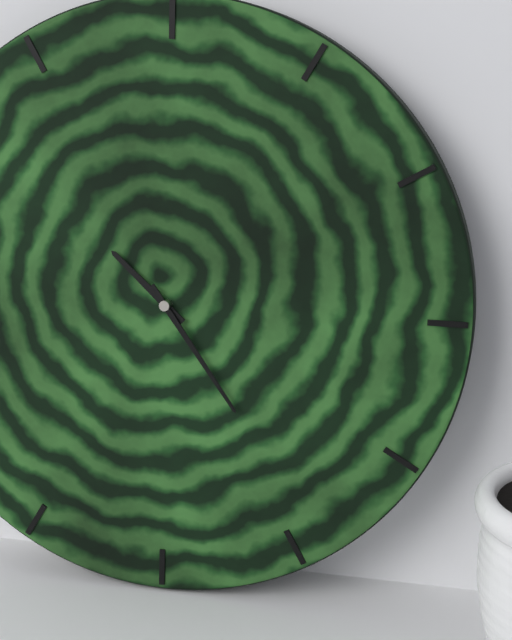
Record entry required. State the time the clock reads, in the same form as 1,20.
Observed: 10,24
